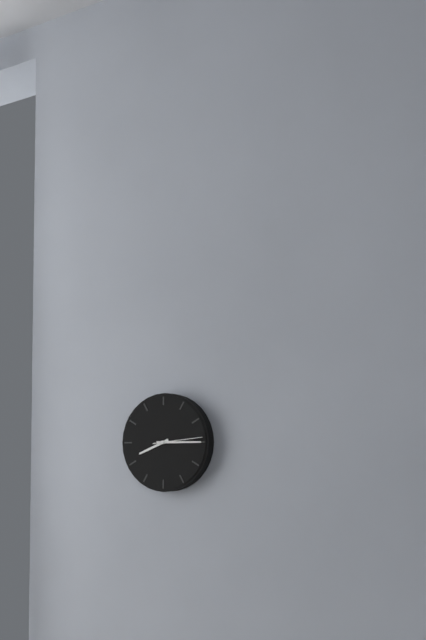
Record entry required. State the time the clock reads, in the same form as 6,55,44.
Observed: 8,15,14
